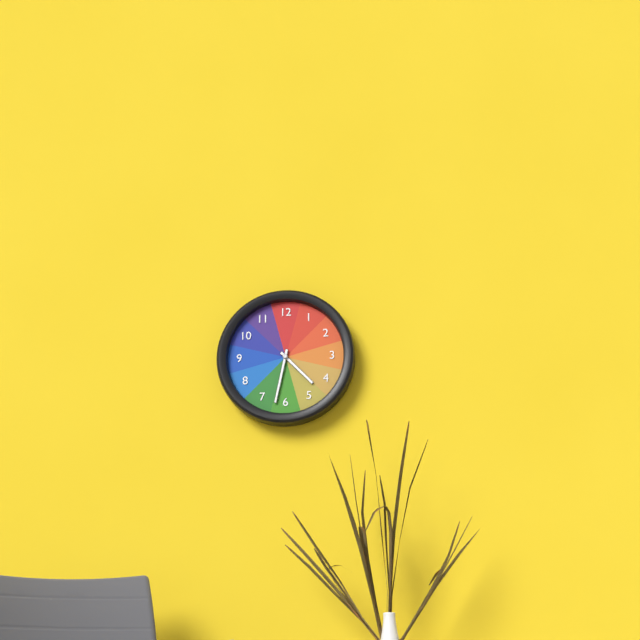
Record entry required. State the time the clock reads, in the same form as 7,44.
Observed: 4,32
